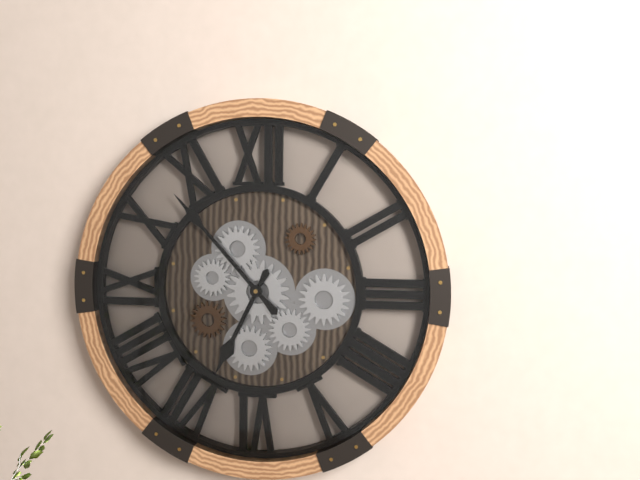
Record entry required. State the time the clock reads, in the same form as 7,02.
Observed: 6,53
